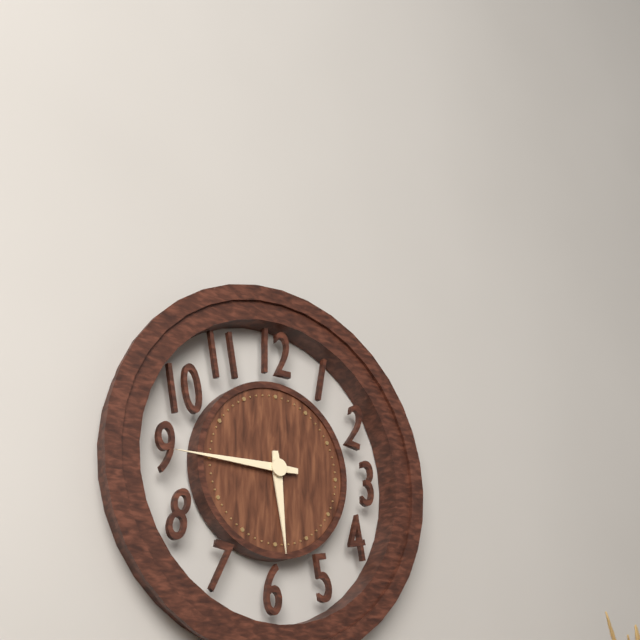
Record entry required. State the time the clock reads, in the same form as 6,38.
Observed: 5,45
